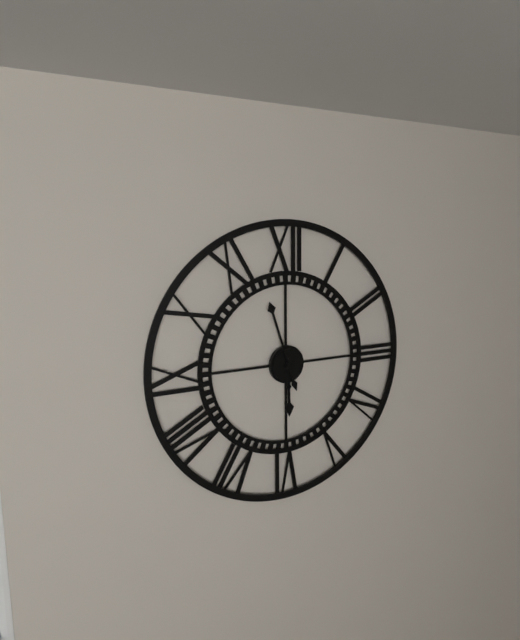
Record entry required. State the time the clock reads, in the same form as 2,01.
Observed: 5,57
